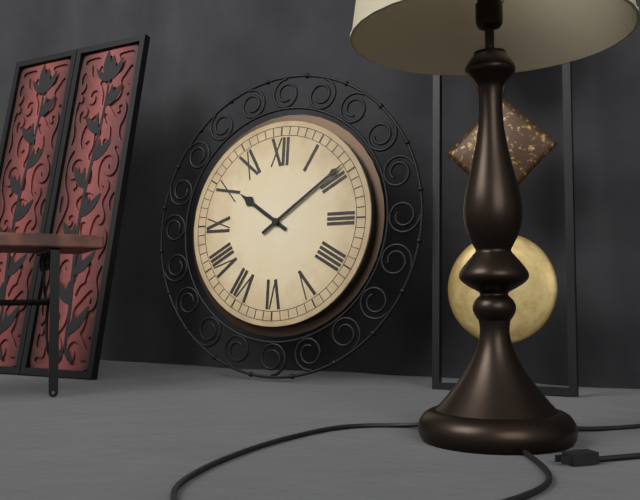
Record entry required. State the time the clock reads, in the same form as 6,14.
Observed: 10,09
